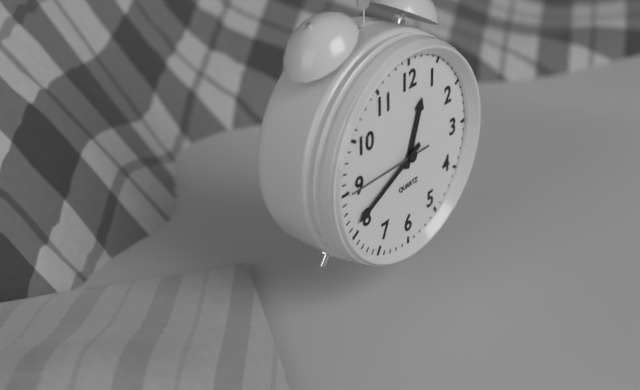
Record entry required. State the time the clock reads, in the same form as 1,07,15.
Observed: 12,41,45
